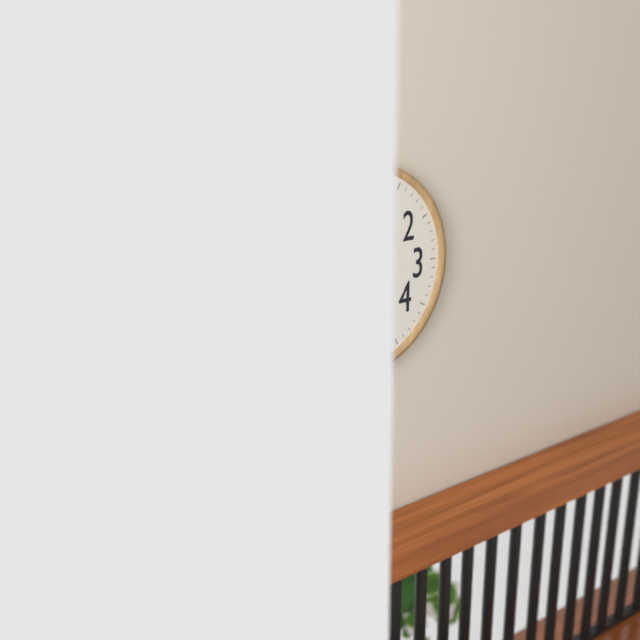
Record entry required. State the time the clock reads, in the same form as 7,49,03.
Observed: 1,02,59
